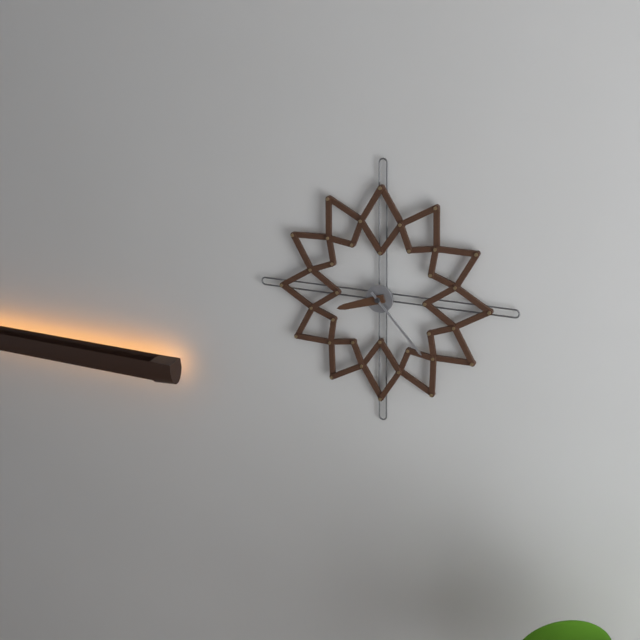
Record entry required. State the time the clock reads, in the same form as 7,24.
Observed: 8,23
